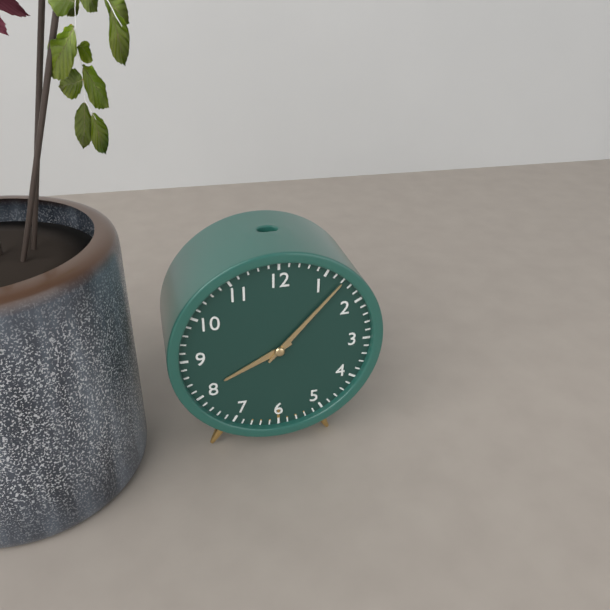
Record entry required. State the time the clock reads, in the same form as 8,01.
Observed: 8,07
